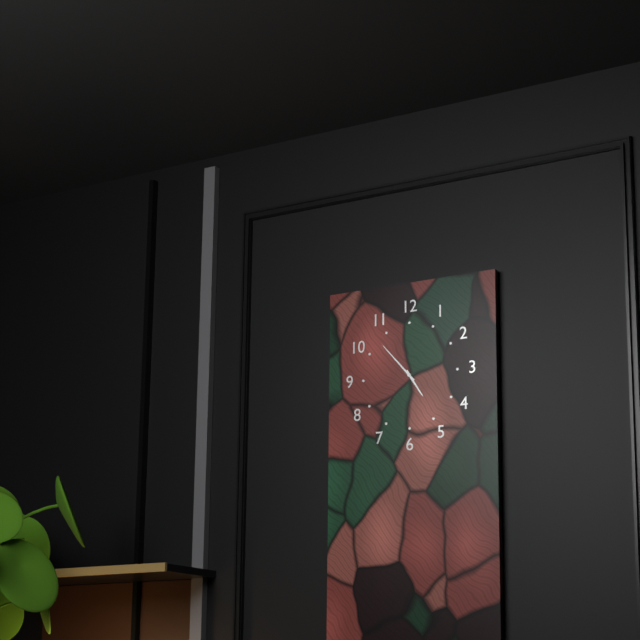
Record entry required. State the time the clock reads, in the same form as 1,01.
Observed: 4,53
